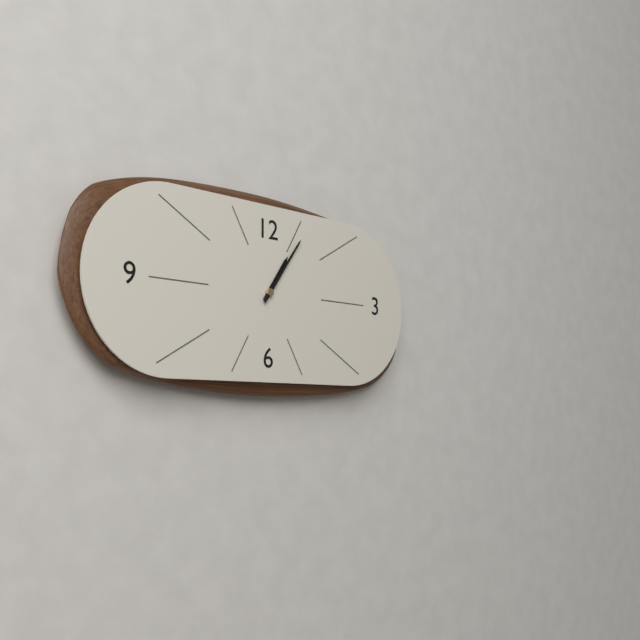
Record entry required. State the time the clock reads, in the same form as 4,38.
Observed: 1,06
